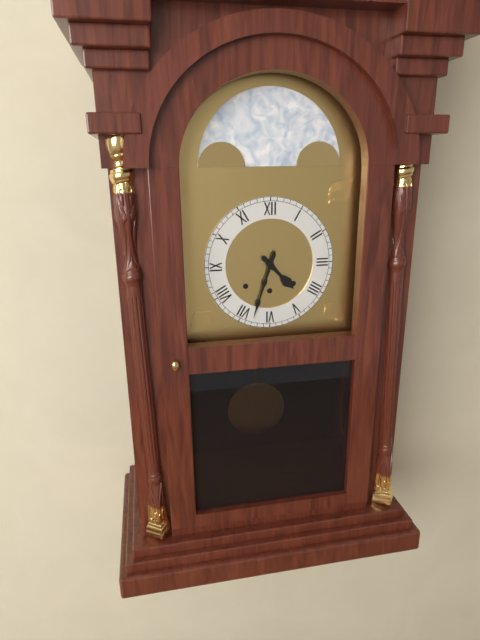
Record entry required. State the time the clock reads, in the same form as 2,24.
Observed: 4,33
